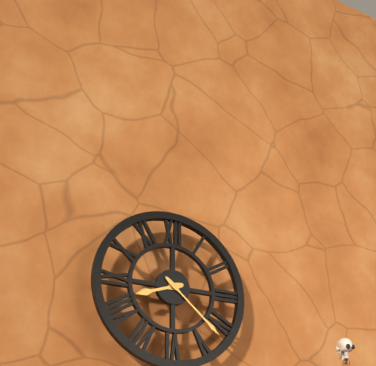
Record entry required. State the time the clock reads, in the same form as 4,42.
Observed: 8,22
